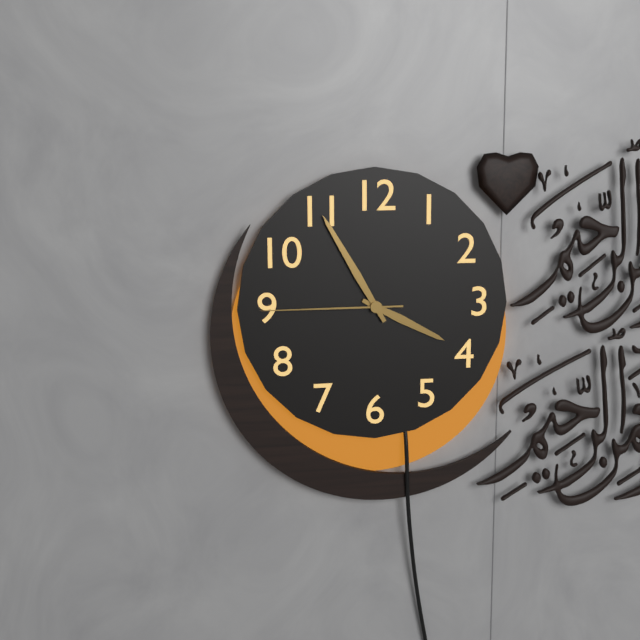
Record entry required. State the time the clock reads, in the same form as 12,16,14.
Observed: 3,55,45
